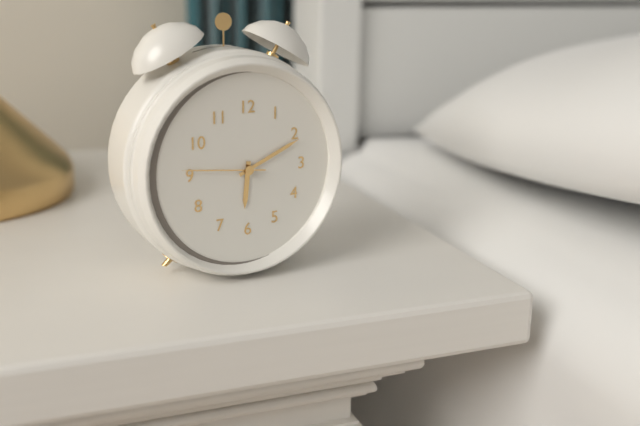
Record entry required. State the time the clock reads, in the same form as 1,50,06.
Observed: 6,11,46
